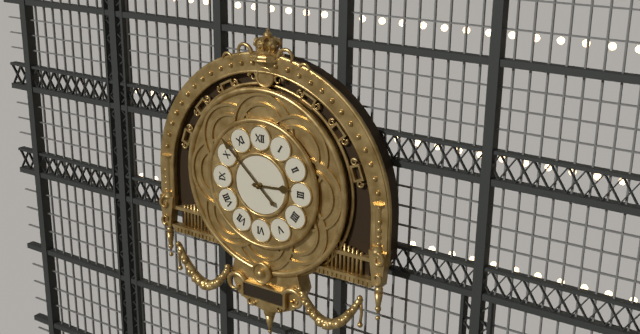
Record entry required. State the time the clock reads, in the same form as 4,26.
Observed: 2,52
